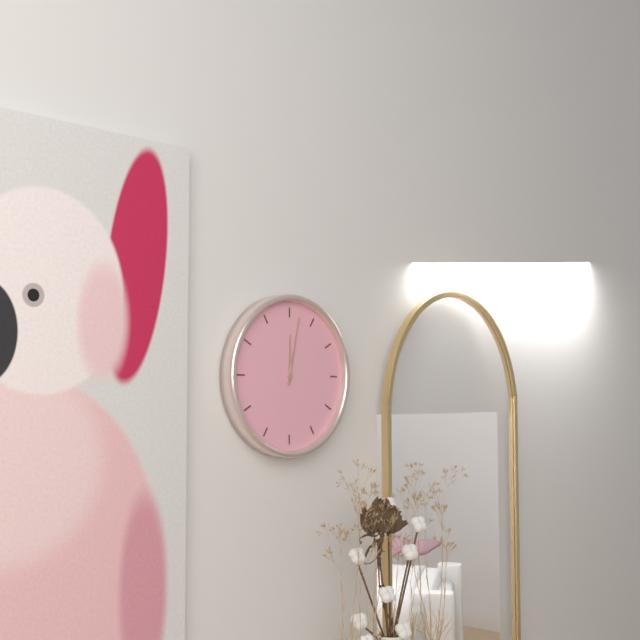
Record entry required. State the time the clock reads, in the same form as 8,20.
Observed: 12,02
